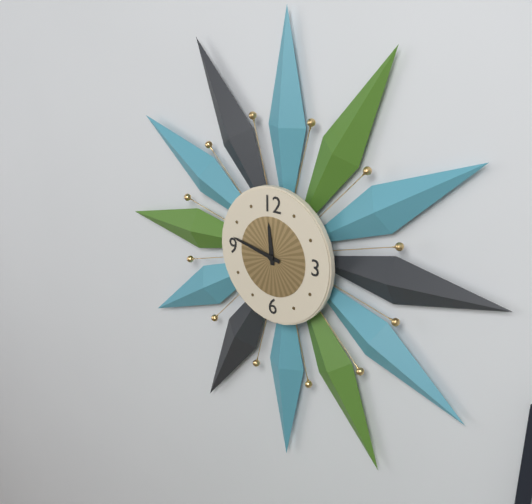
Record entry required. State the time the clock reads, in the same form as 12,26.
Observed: 11,47
